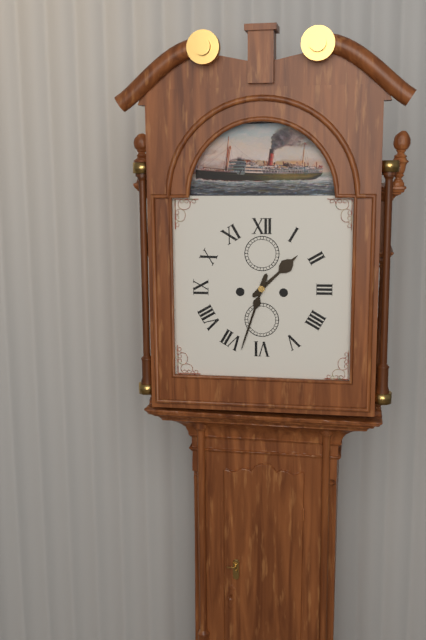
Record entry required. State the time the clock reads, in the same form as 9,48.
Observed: 1,33
